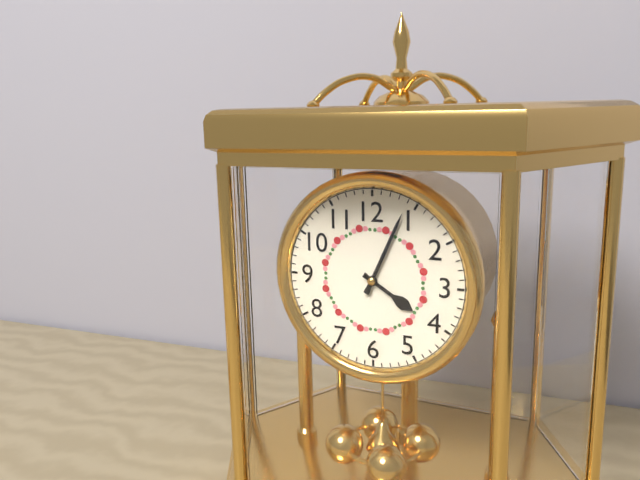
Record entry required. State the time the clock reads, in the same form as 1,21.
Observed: 4,04
